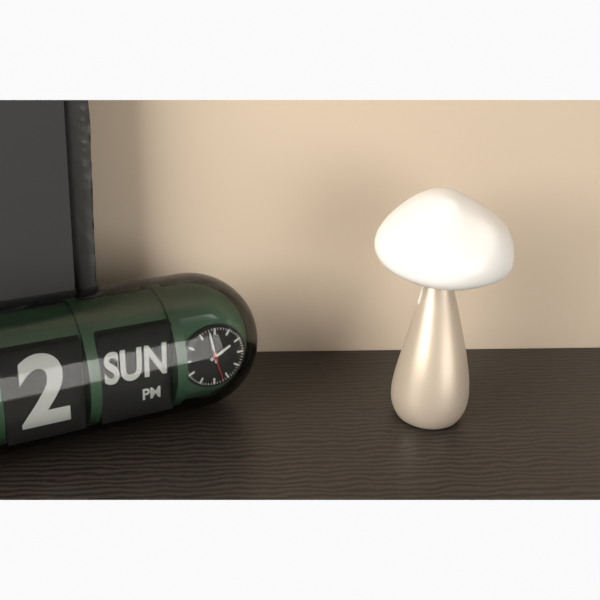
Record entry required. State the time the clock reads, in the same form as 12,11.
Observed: 1,58
